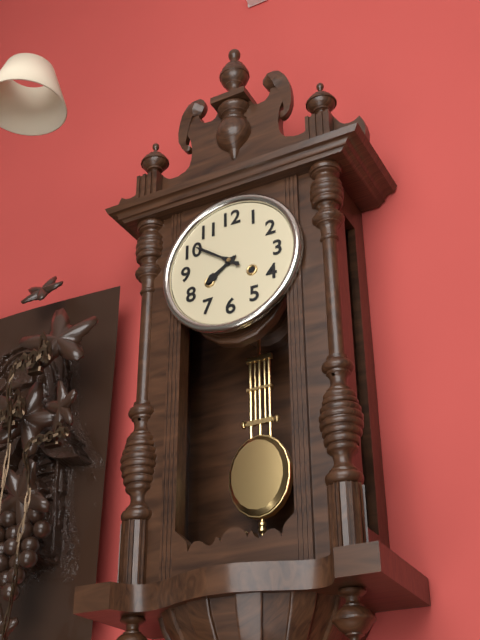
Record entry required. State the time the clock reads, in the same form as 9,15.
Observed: 7,51
